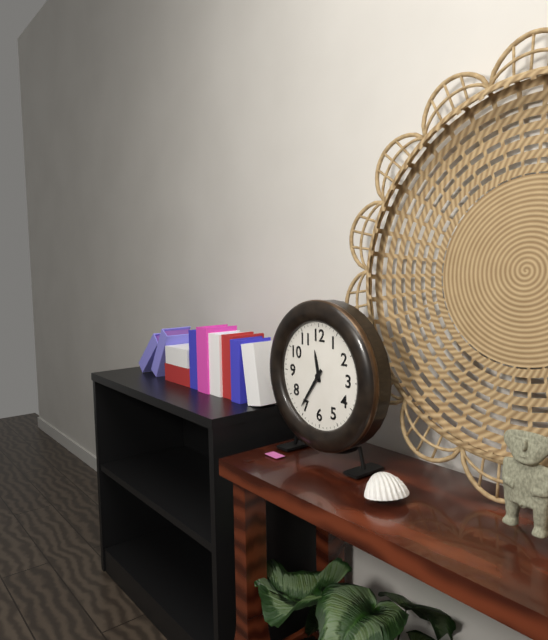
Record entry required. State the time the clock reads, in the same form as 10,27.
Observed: 11,36
